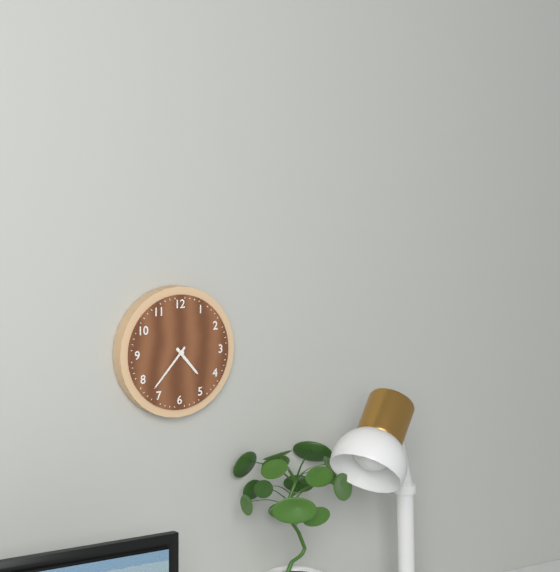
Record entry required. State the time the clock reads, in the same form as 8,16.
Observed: 4,37
